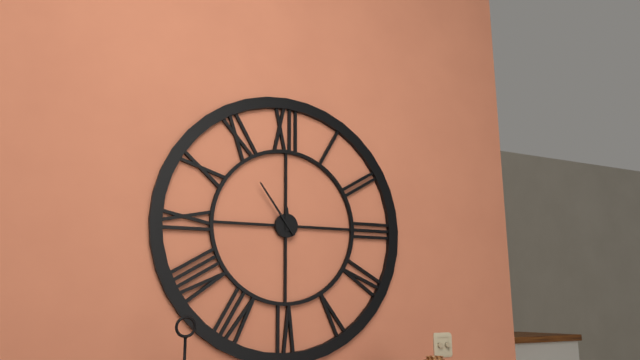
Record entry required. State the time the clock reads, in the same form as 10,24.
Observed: 11,54
